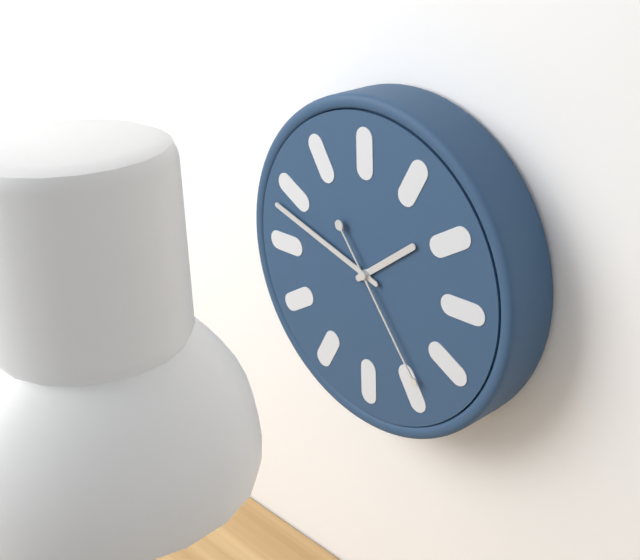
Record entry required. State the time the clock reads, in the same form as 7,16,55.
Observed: 1,48,24
